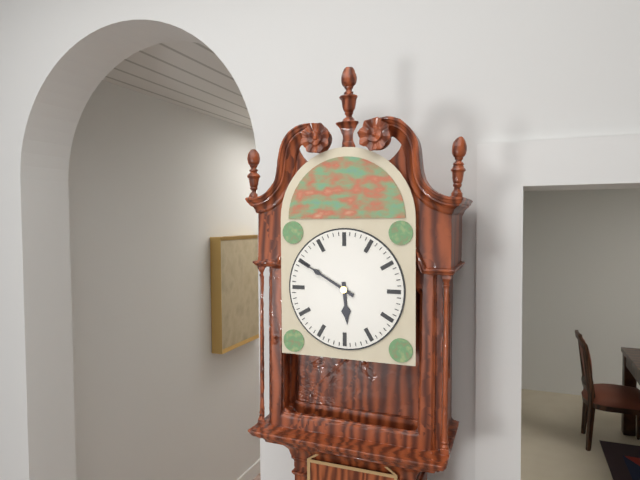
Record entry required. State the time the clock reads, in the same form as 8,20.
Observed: 5,50
